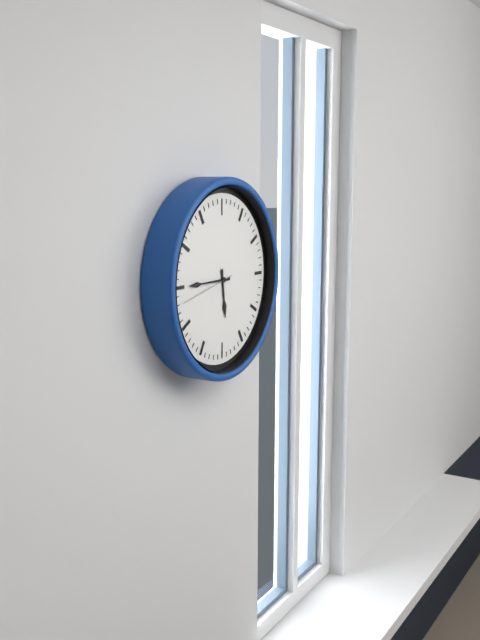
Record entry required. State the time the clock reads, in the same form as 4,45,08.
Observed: 5,45,43
